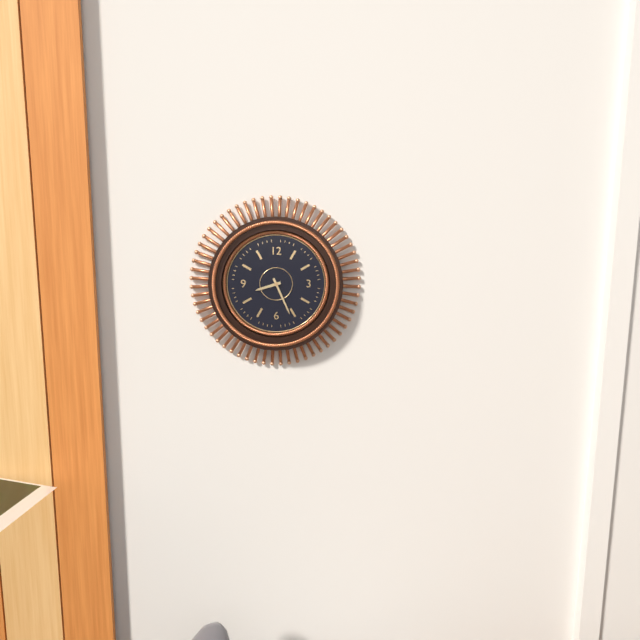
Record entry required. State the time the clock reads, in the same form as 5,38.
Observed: 8,26
